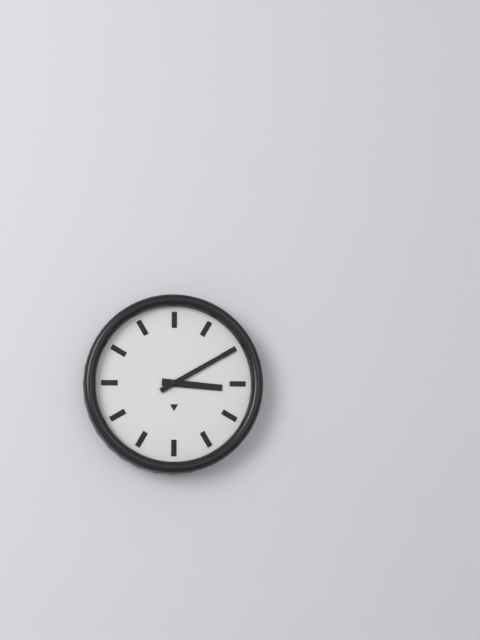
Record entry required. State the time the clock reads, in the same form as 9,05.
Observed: 3,10
